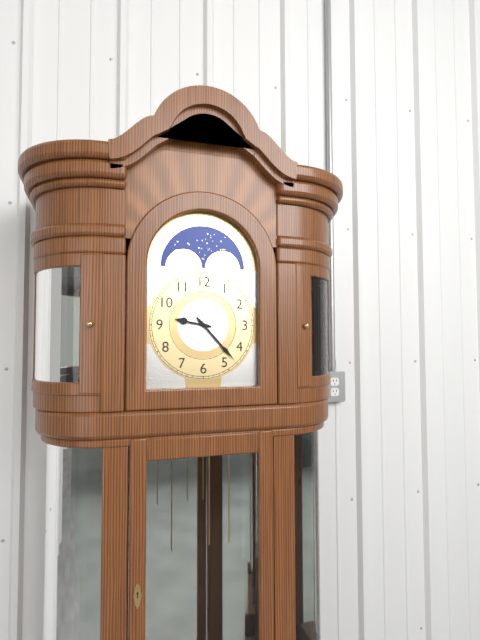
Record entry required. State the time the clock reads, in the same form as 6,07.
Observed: 9,23
